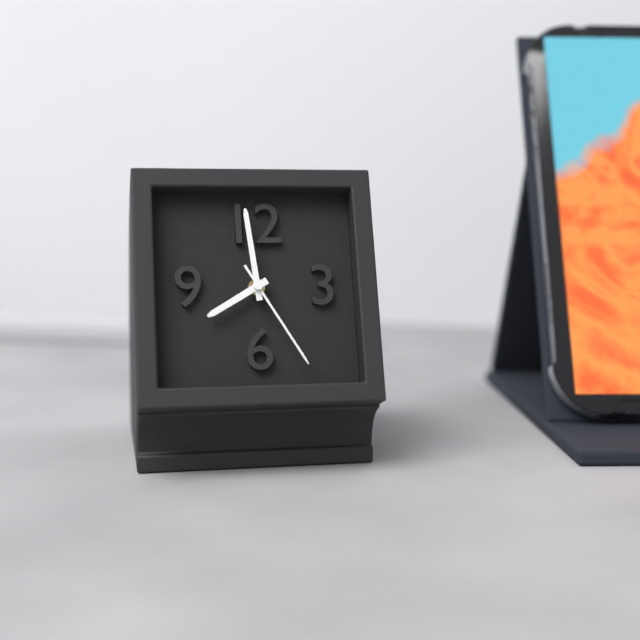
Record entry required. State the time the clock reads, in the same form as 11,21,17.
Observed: 7,59,25
